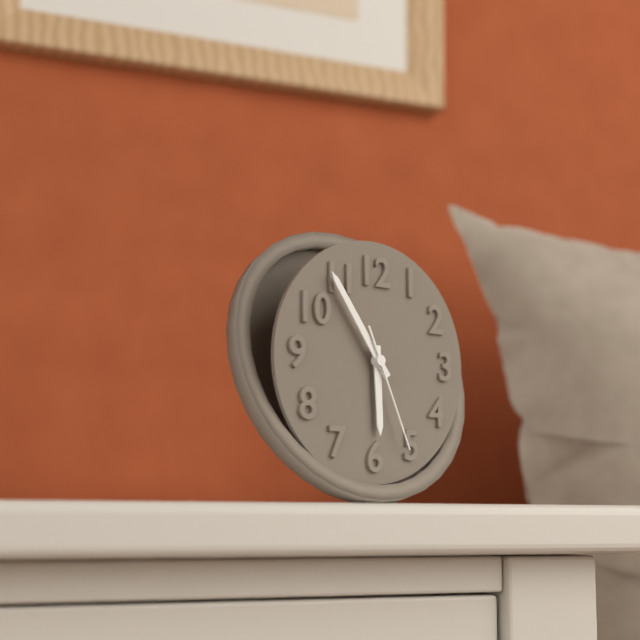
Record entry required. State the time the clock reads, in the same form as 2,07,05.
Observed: 5,54,26
